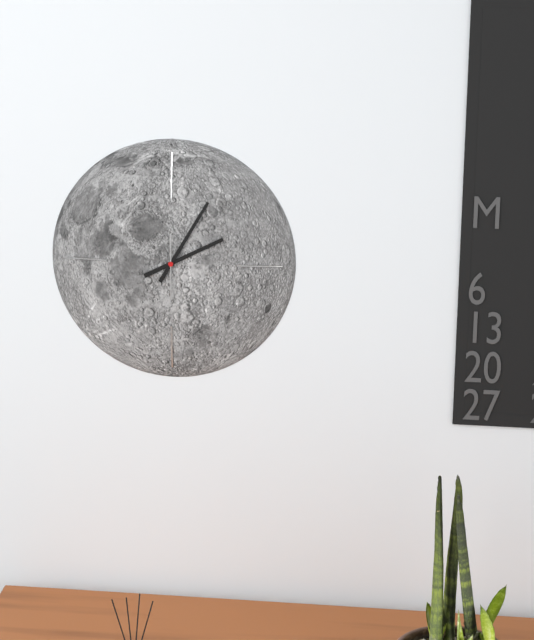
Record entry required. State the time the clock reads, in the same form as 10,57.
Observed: 2,05
